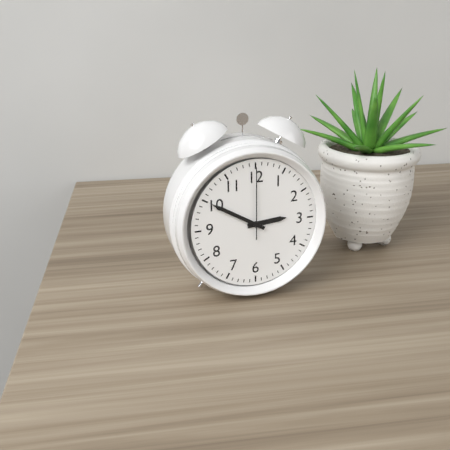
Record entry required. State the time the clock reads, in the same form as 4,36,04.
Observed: 2,50,00
